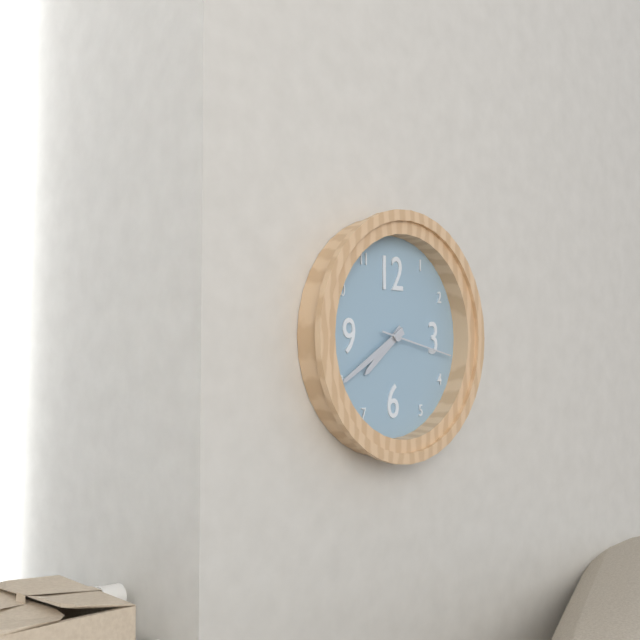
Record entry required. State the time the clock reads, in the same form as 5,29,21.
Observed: 7,40,17
